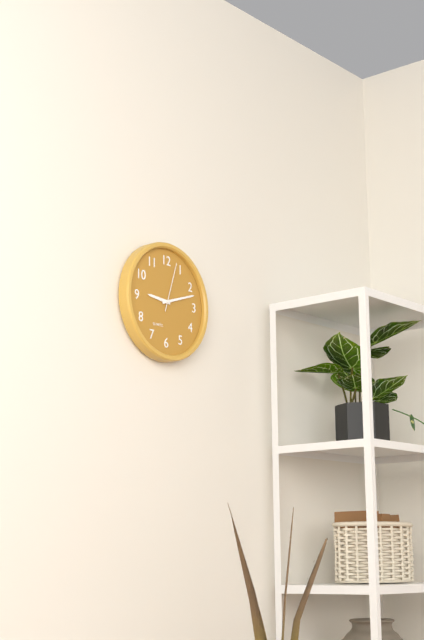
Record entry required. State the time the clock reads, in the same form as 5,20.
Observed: 9,12
